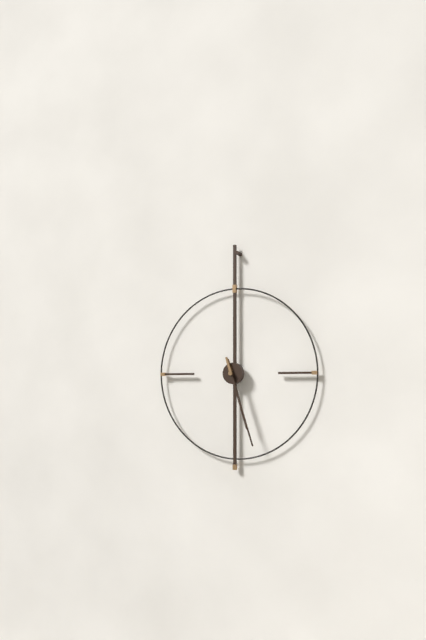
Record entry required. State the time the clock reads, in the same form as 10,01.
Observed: 5,27
